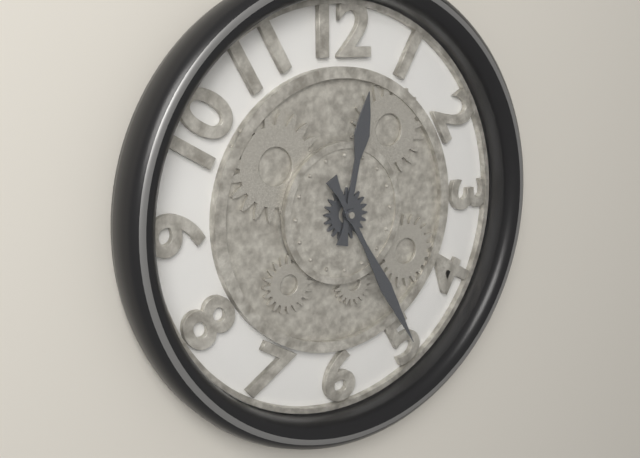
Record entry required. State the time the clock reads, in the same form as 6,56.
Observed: 12,25
